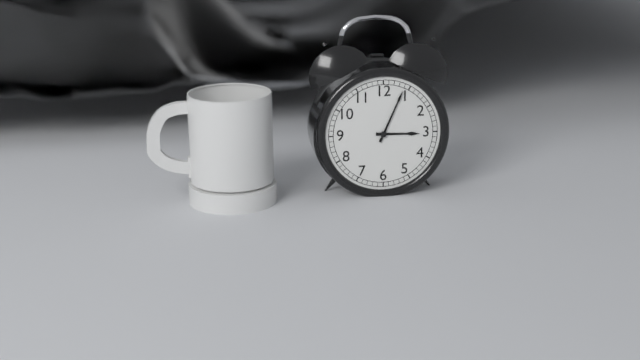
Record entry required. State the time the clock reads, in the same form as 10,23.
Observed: 3,04
